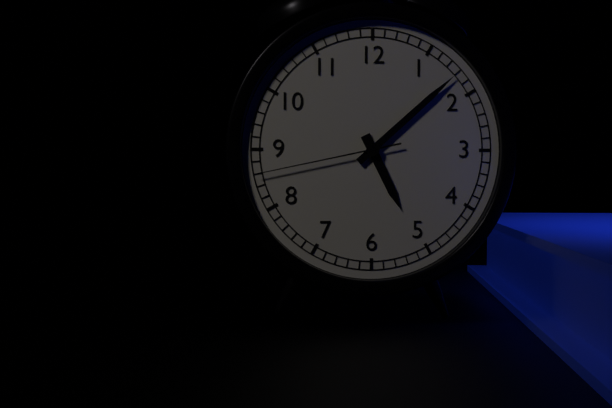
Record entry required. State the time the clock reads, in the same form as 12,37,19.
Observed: 5,08,43
